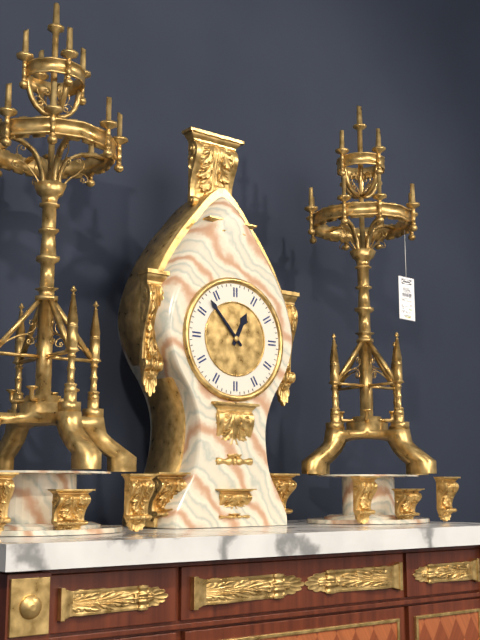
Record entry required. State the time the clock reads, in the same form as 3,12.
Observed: 12,53
